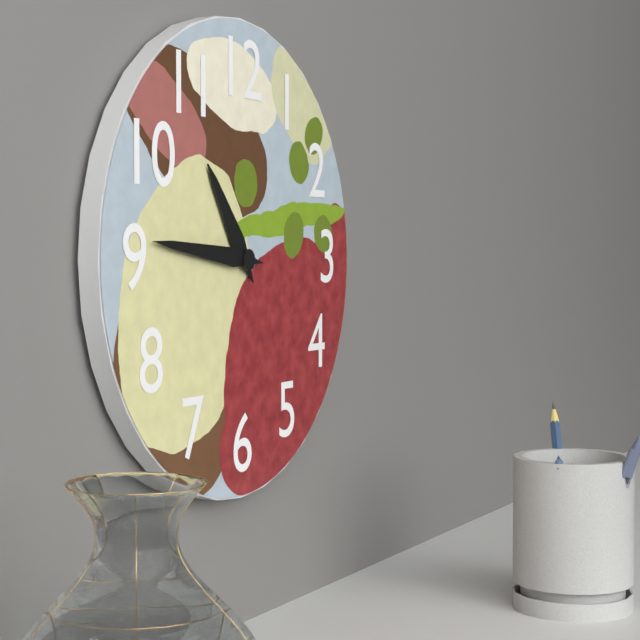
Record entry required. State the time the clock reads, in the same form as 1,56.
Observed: 10,46
